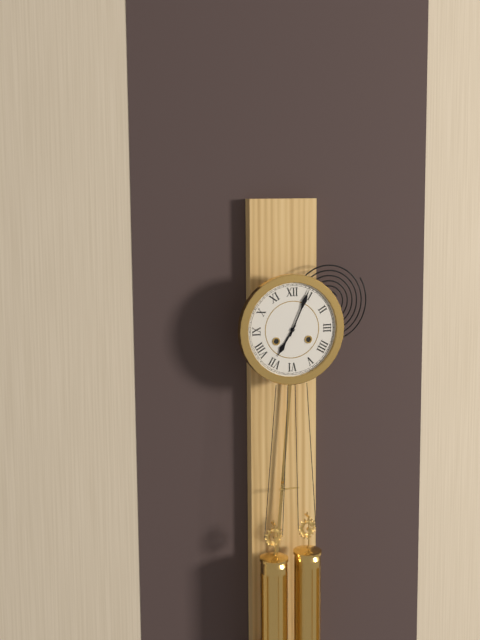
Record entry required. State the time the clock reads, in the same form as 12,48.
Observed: 7,04
